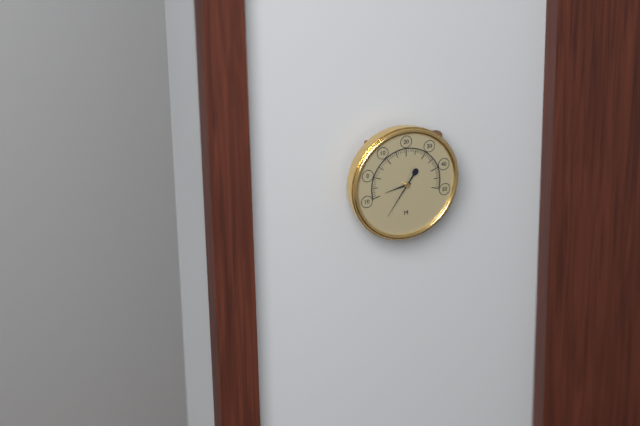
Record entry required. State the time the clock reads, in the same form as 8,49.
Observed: 8,36
